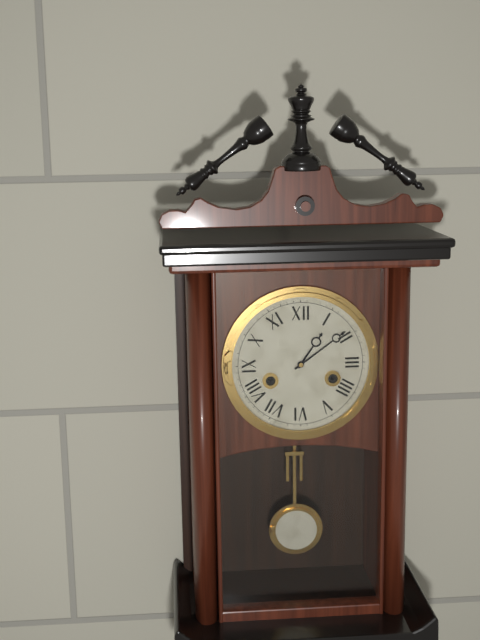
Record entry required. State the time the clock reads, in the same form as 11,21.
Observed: 1,09
